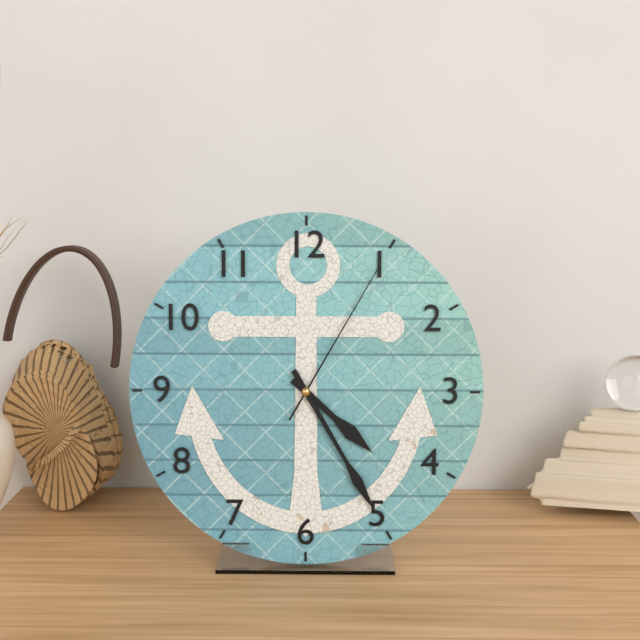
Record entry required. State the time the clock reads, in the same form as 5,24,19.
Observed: 4,25,05
